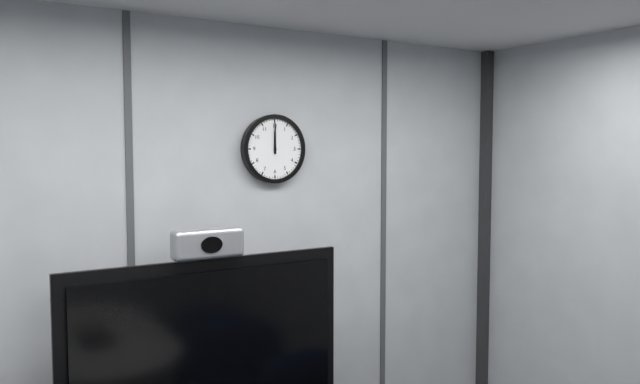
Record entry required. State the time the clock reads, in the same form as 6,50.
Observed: 12,00
